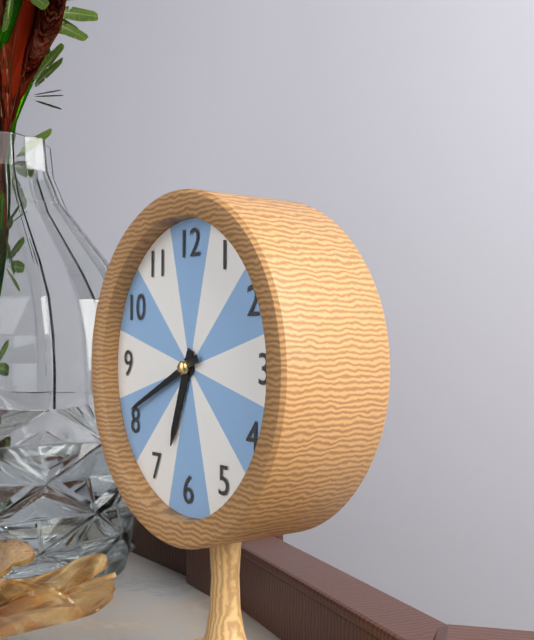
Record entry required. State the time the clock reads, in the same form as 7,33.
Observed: 6,41
